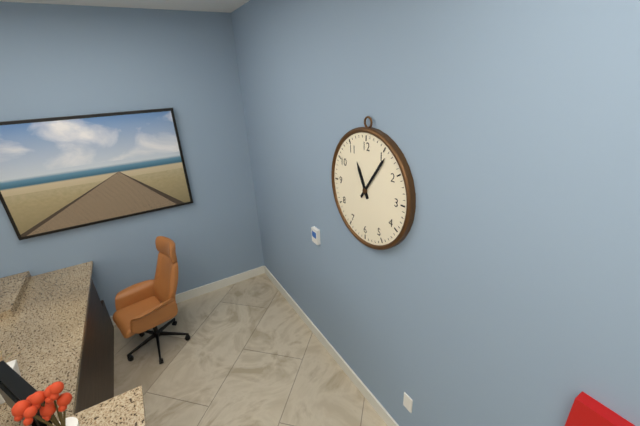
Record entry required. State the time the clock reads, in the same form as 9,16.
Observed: 11,06
